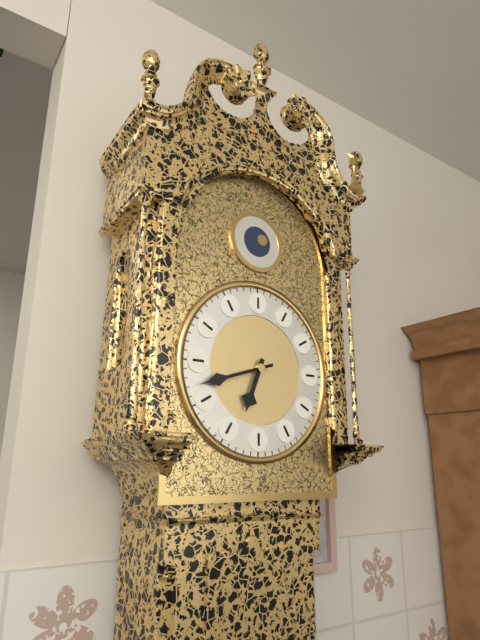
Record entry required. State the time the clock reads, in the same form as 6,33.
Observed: 6,42
